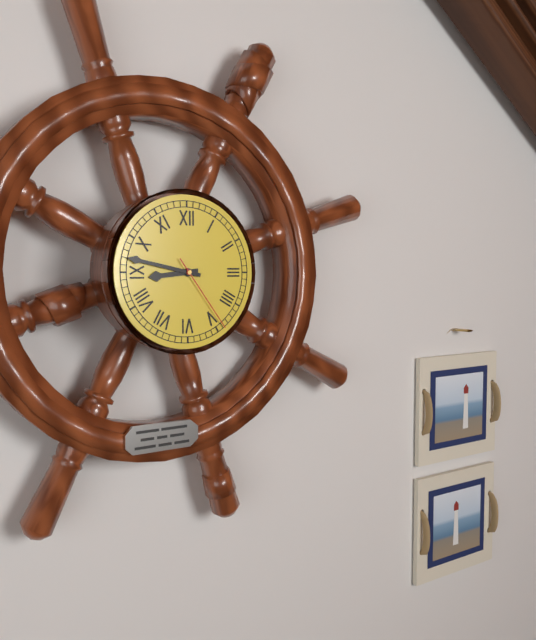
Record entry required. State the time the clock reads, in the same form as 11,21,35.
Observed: 8,47,24
